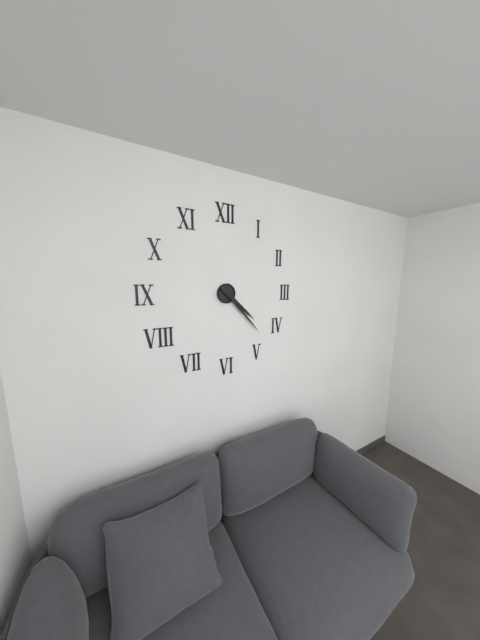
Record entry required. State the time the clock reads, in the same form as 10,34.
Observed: 4,23
